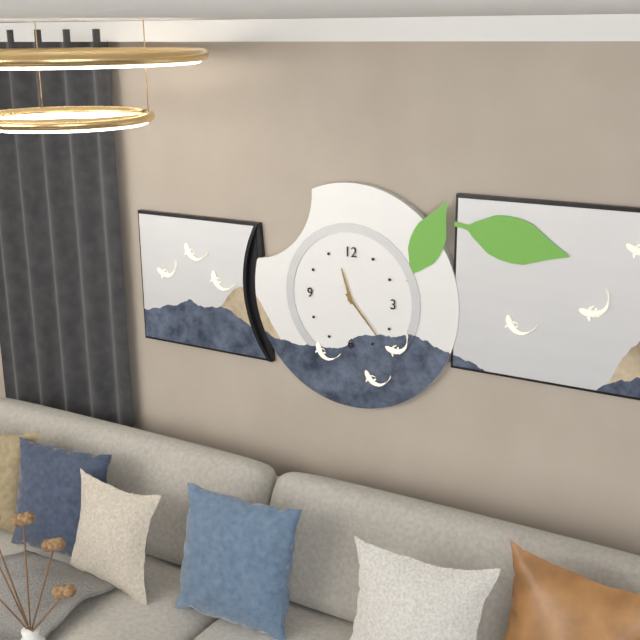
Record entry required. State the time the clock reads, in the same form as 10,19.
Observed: 11,23
